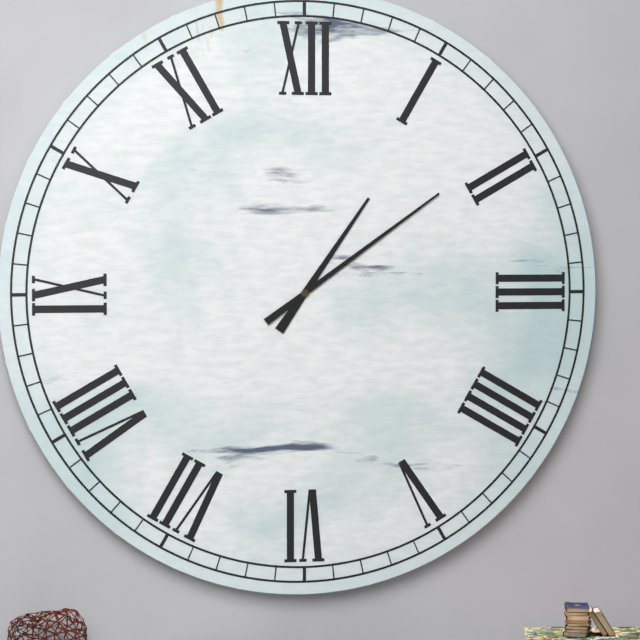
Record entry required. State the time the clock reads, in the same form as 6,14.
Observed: 1,09
